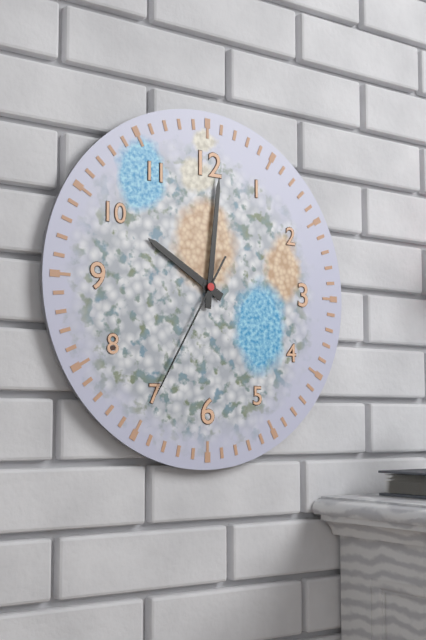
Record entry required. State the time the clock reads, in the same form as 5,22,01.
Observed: 10,01,35
